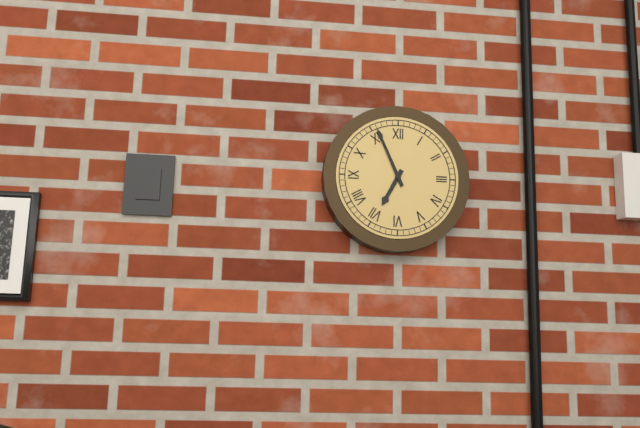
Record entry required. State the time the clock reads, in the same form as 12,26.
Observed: 6,56
